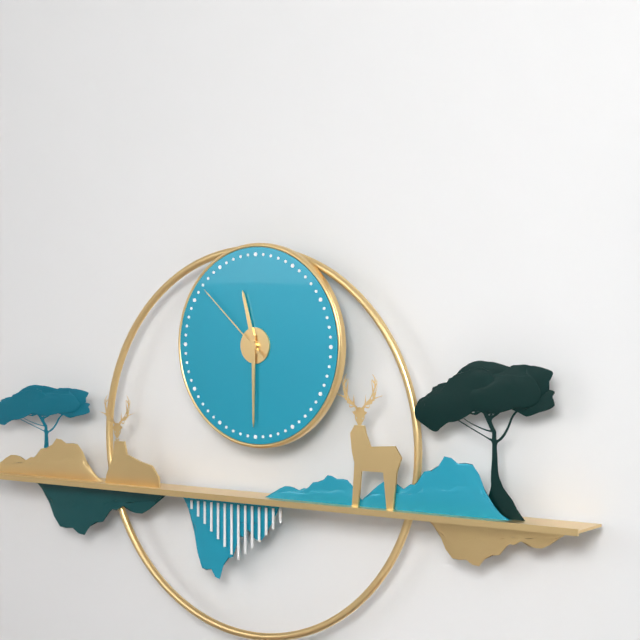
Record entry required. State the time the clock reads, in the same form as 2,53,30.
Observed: 11,30,52
